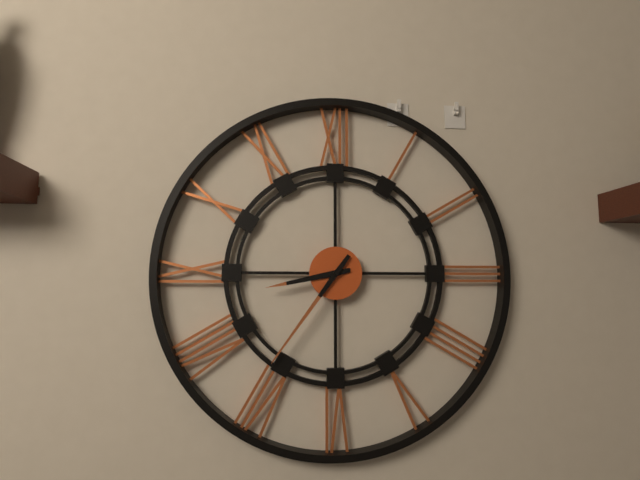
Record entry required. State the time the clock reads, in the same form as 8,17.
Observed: 8,36
